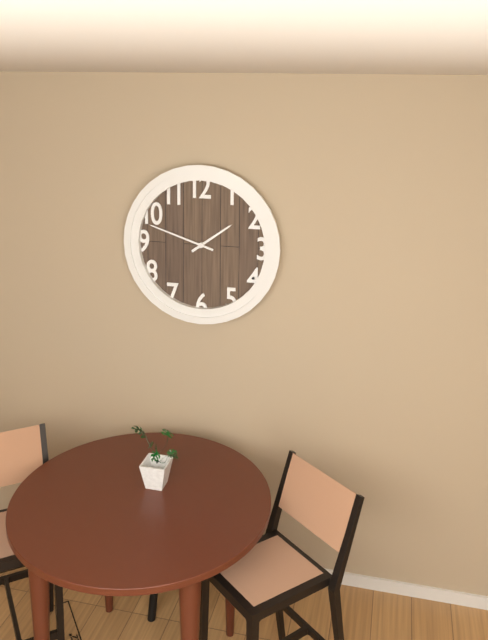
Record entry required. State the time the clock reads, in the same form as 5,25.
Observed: 1,48
